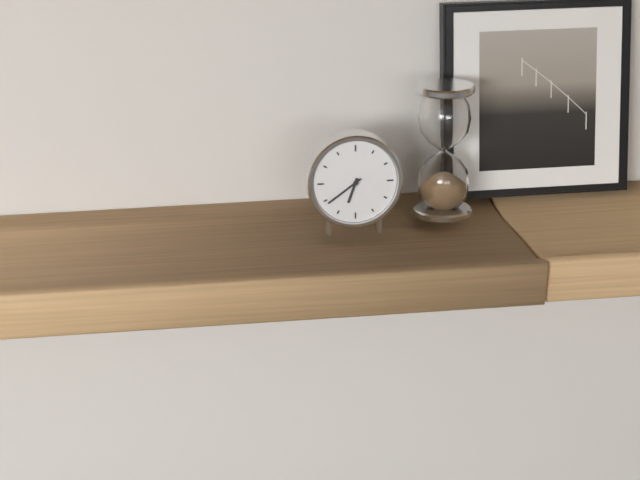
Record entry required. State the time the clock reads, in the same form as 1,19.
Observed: 6,39
